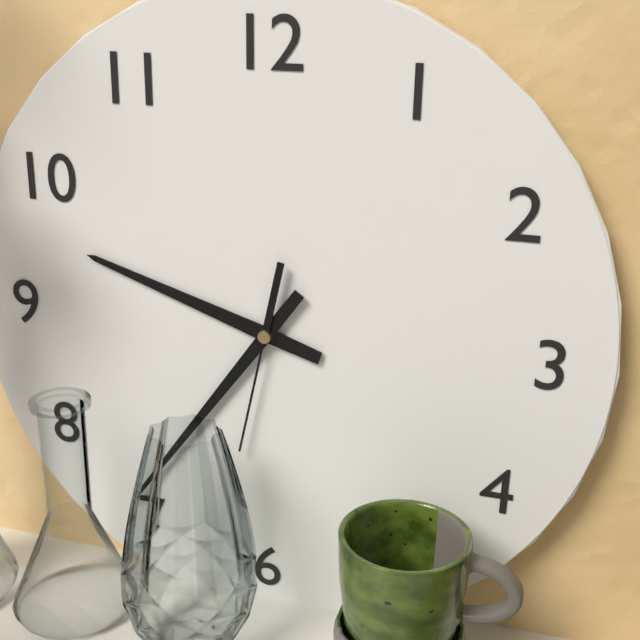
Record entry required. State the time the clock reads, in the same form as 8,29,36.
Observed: 9,36,32
